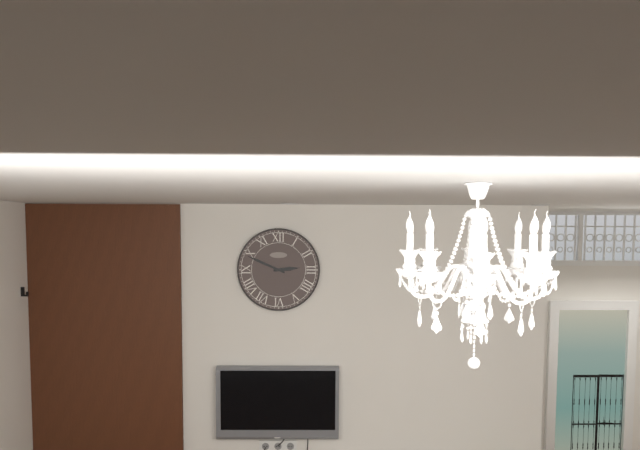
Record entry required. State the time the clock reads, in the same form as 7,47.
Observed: 2,49
